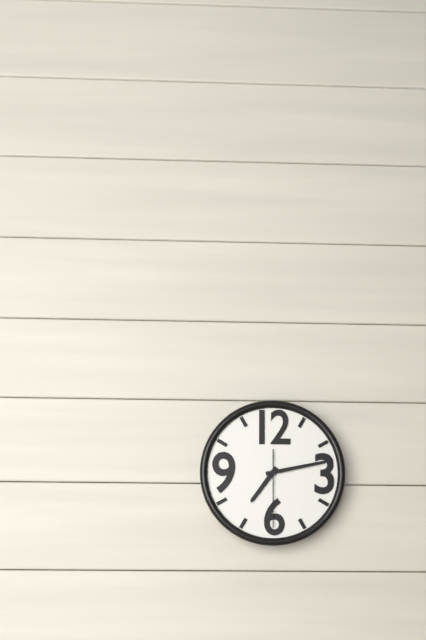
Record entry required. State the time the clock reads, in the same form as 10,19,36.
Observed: 7,13,30
